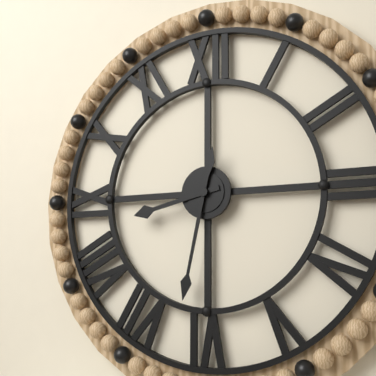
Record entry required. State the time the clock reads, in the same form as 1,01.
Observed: 8,32
